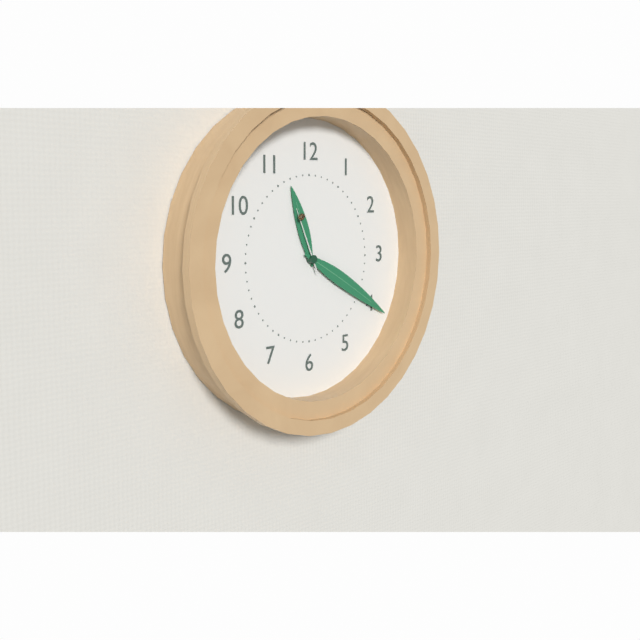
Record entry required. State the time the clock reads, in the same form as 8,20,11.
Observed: 11,20,56
